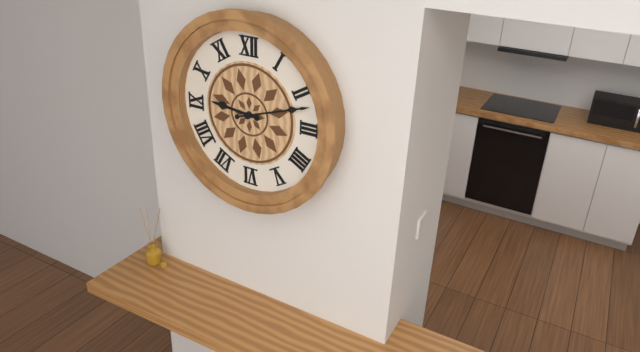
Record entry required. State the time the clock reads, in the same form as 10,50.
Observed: 9,12
